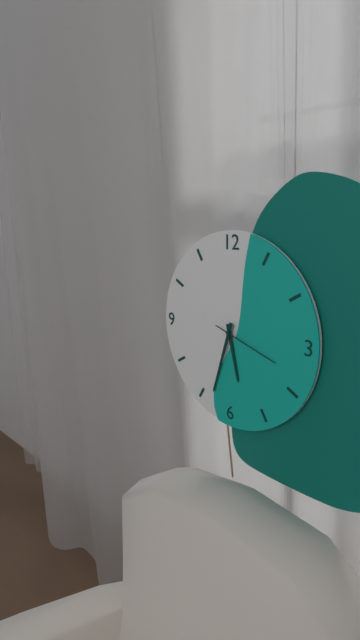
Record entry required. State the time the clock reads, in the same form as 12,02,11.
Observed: 5,33,18
